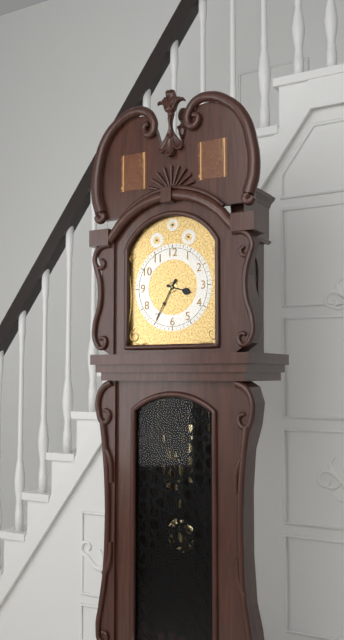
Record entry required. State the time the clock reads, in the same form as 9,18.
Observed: 3,35
